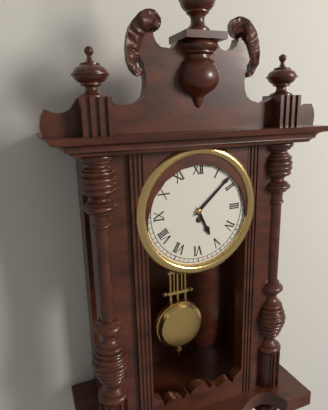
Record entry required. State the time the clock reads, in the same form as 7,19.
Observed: 5,08
